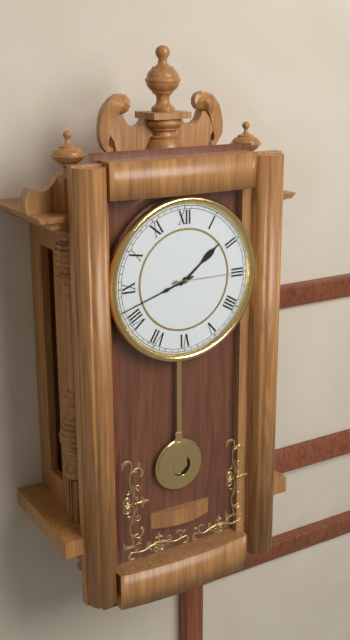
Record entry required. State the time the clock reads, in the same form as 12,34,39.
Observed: 1,42,15
